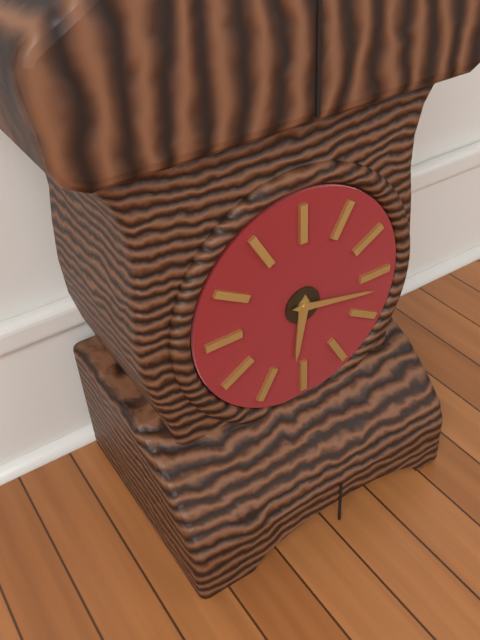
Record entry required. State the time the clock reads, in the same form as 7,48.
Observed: 6,17
